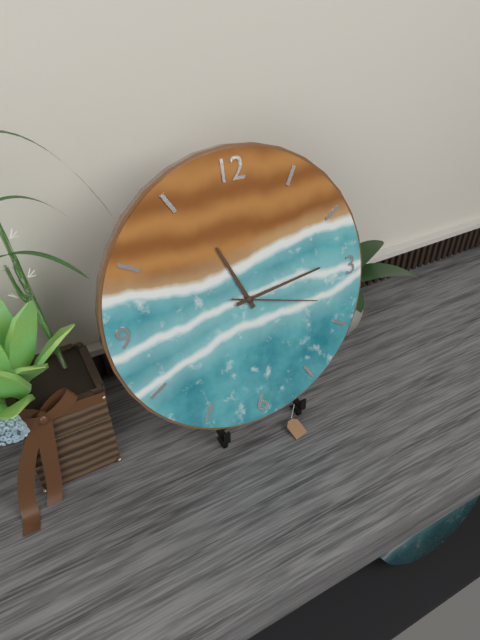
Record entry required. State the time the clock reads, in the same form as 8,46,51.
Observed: 11,14,18
